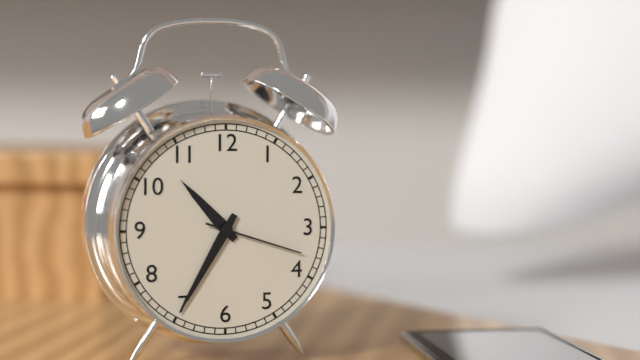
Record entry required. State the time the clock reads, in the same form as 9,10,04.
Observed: 10,35,18
